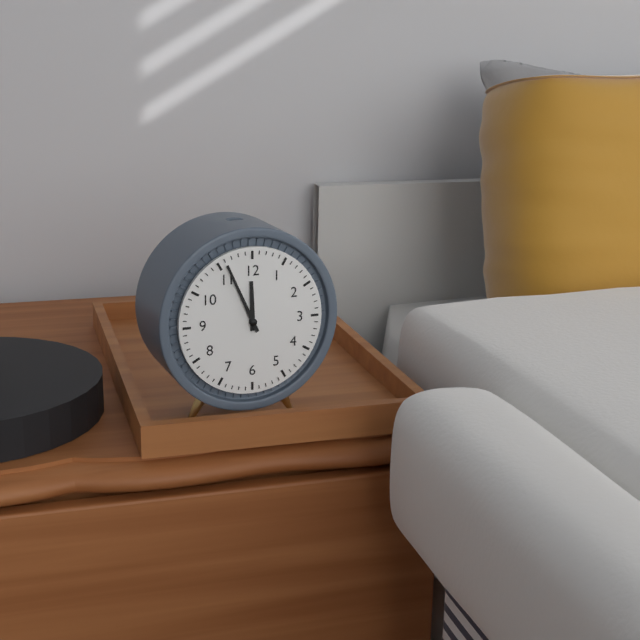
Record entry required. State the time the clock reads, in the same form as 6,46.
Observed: 11,56
